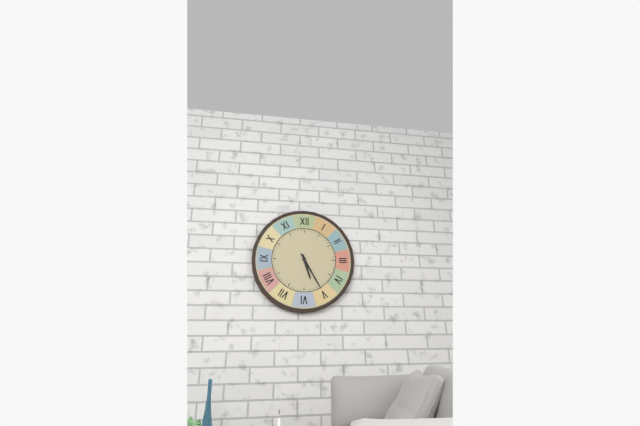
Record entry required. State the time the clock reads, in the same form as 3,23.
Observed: 5,25
